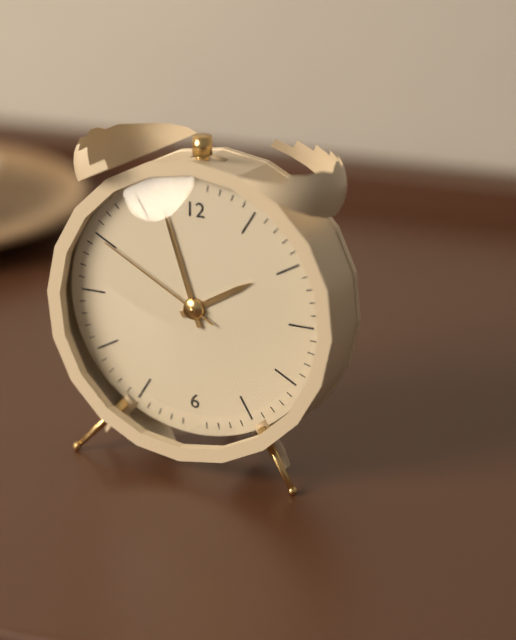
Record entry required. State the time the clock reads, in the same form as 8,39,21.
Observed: 1,57,50
